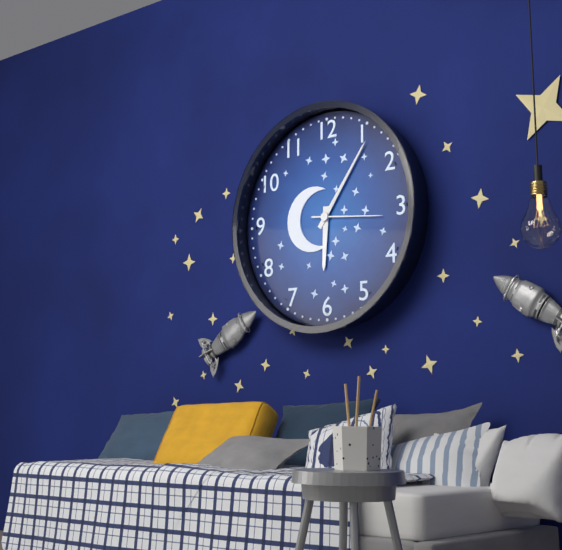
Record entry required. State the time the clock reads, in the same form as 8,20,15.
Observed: 6,06,16
